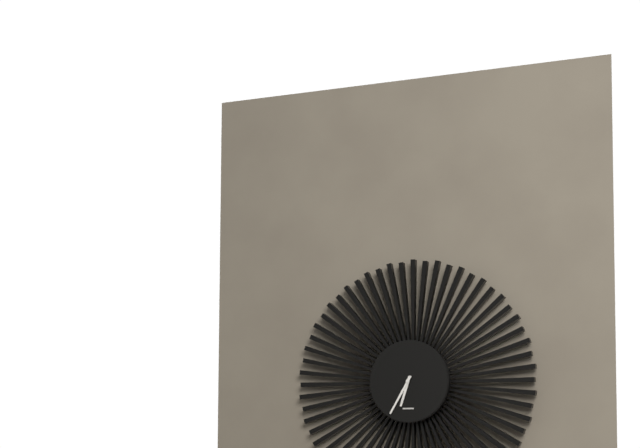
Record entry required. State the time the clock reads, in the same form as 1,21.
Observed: 6,35
